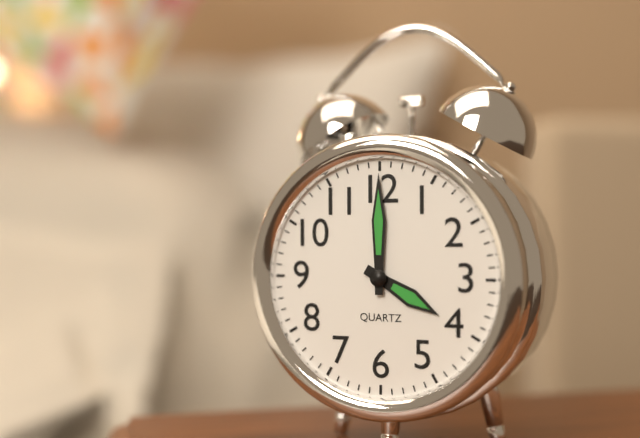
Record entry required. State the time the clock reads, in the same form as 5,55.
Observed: 4,00
